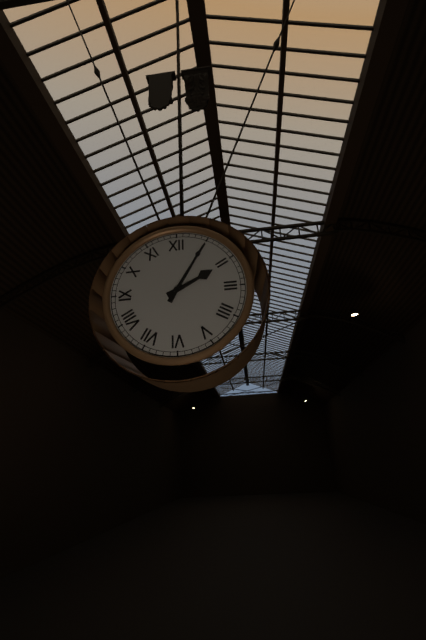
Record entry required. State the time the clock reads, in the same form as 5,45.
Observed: 2,05
